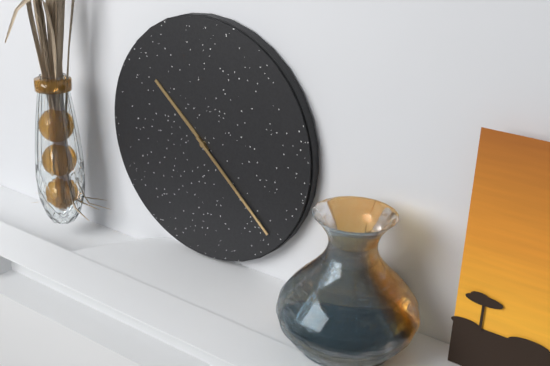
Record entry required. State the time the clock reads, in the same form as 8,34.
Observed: 10,22
